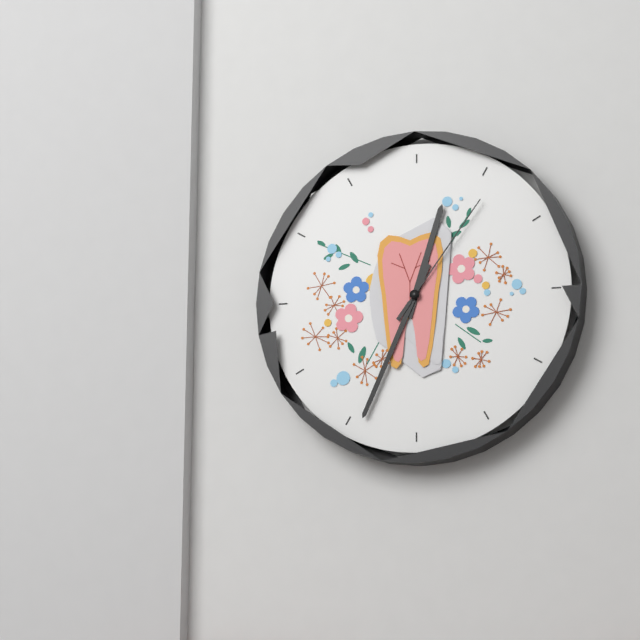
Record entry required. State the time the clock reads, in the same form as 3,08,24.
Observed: 12,34,06
